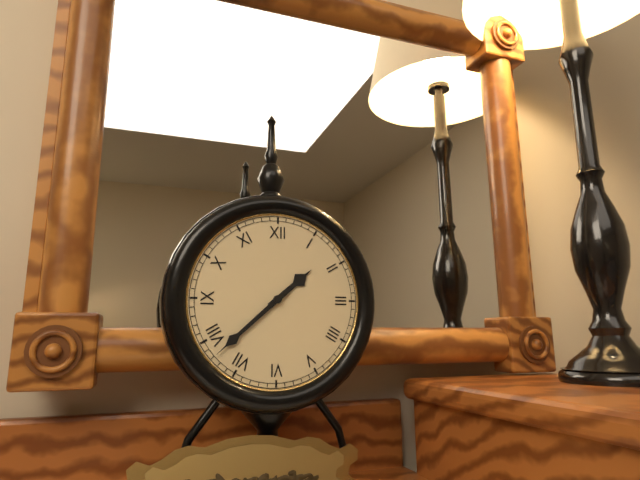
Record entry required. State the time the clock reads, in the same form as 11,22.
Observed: 1,38
